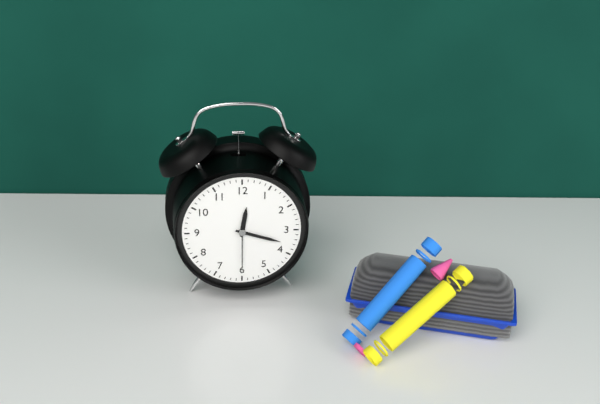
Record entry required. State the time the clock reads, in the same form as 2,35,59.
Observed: 12,18,30
